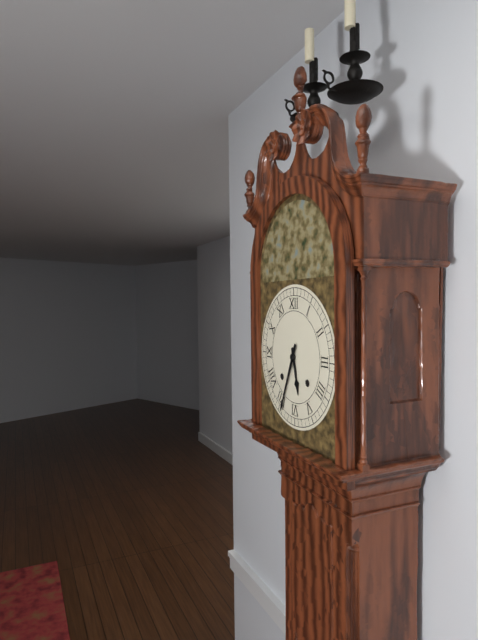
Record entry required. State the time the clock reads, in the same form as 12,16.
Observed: 5,34
